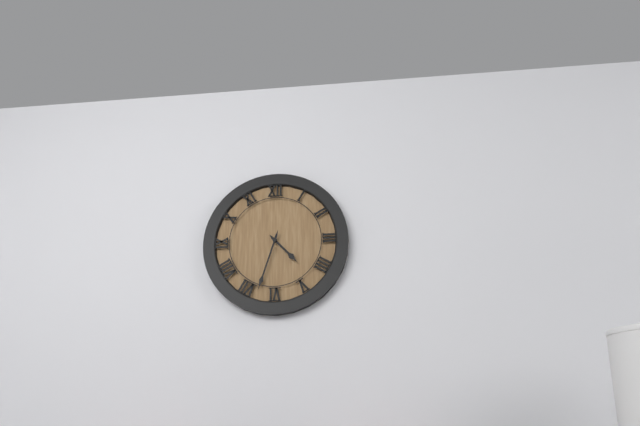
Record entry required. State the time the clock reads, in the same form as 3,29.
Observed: 4,33
